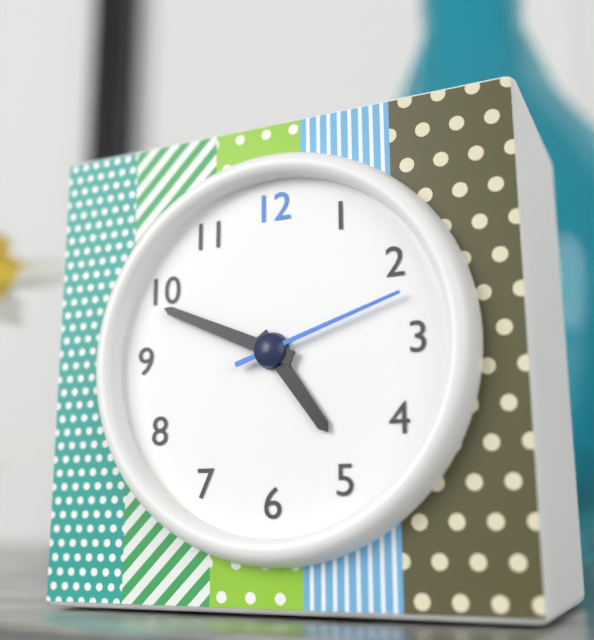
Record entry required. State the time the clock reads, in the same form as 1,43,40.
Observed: 4,49,12
